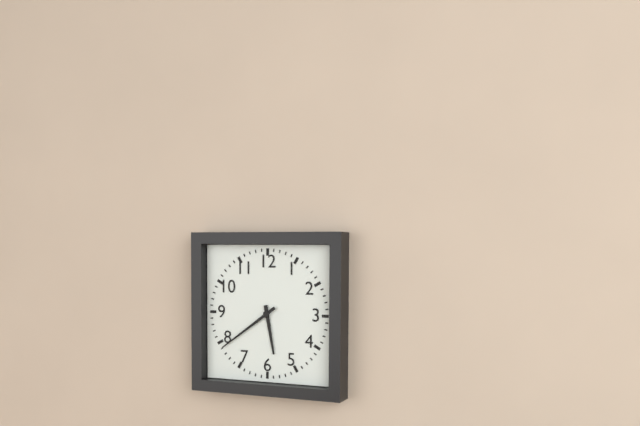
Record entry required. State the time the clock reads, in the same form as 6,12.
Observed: 5,39
